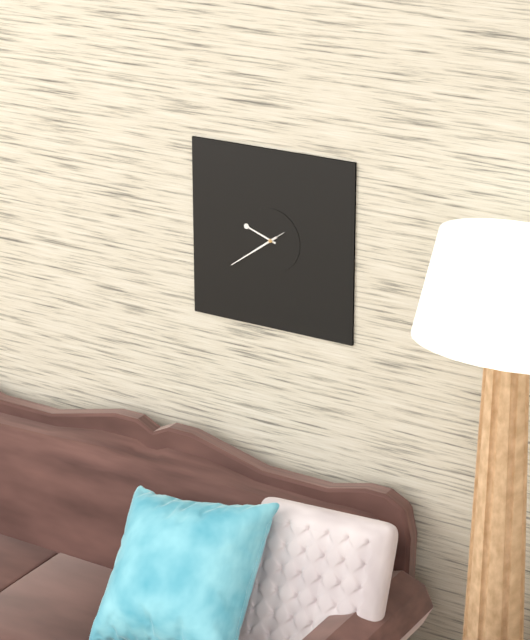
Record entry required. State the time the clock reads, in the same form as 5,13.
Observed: 9,39
